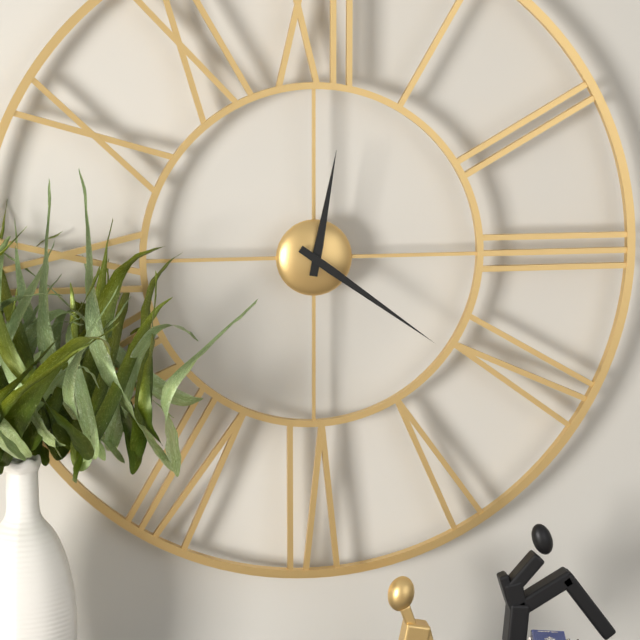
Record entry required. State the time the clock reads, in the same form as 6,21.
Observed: 12,21
